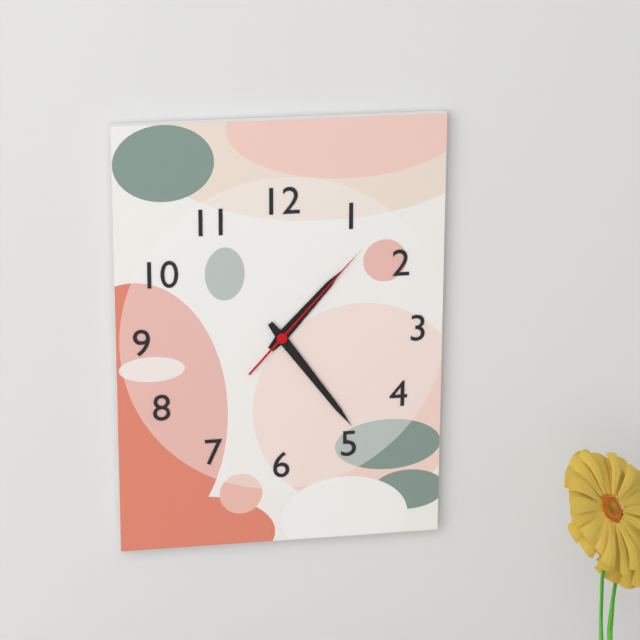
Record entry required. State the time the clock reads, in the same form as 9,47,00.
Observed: 1,24,07
